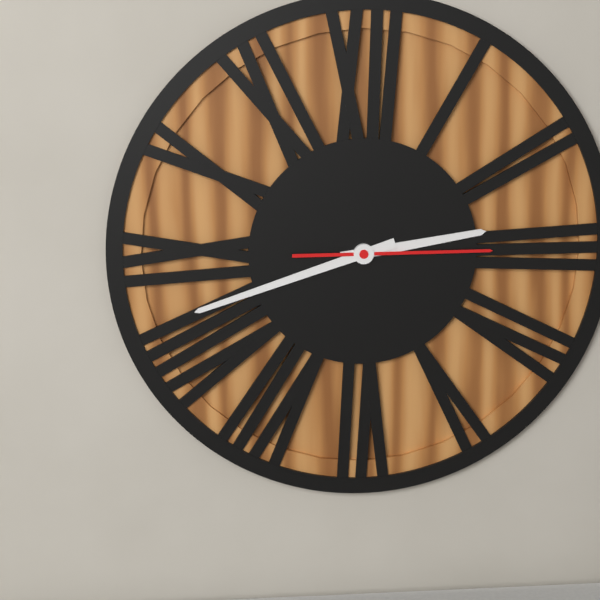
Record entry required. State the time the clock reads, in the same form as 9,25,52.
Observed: 2,42,15
